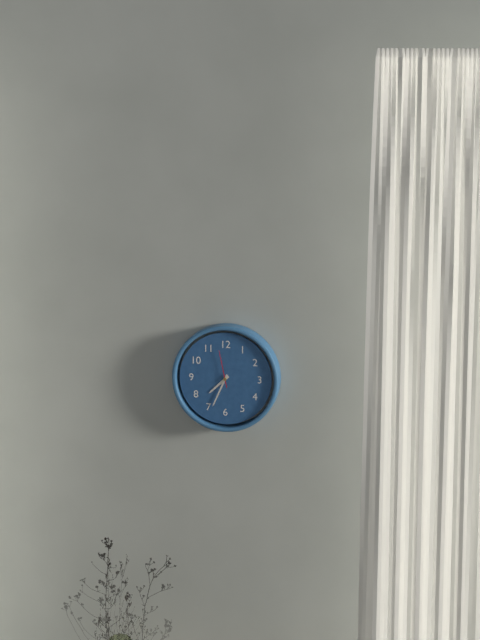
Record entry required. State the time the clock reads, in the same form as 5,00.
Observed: 7,34
